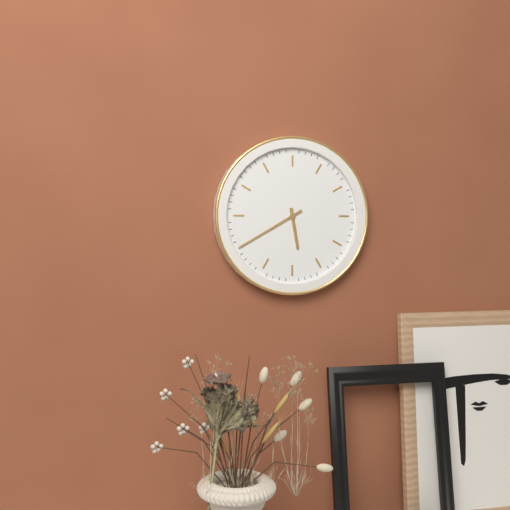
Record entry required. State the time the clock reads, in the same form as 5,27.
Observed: 5,40
